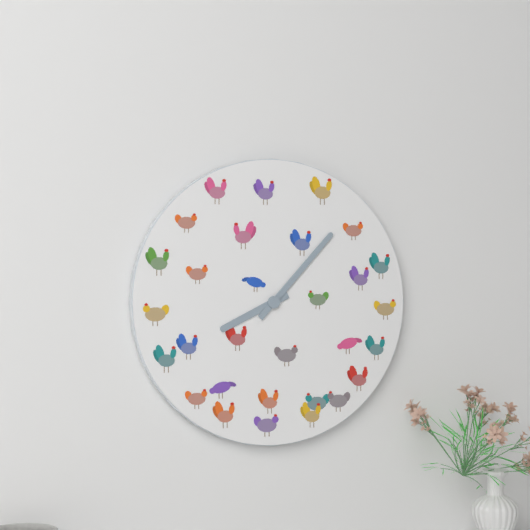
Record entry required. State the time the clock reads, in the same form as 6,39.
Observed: 8,07
